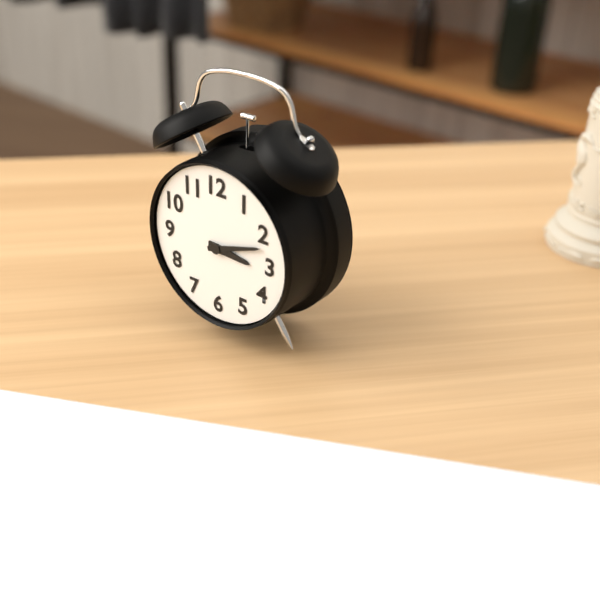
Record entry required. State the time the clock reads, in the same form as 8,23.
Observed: 3,12
